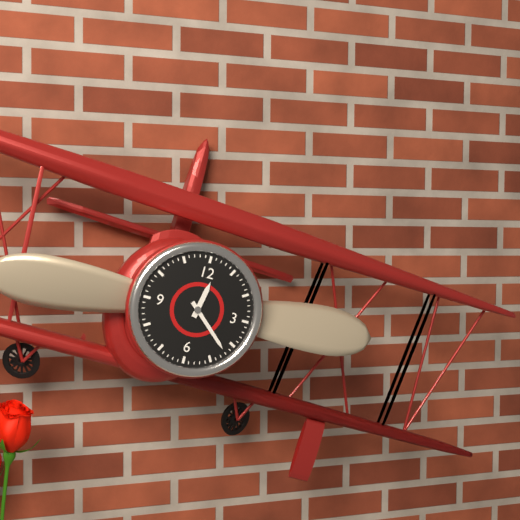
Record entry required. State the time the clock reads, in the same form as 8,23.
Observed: 12,22
